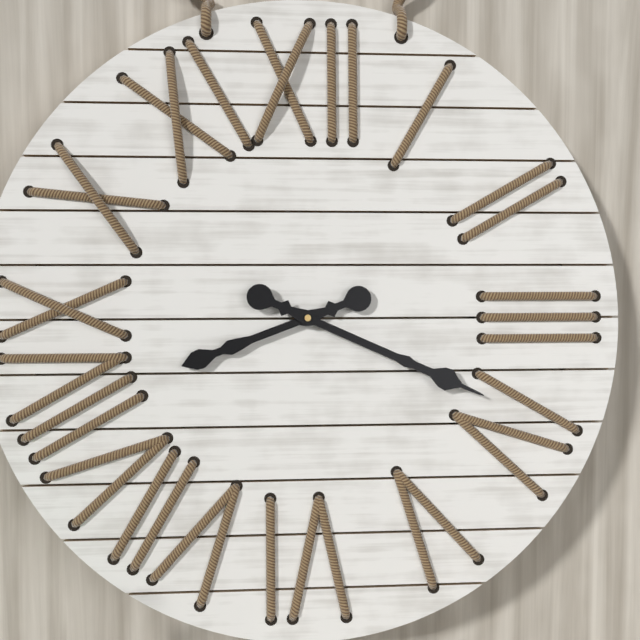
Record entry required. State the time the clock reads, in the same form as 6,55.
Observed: 8,19
